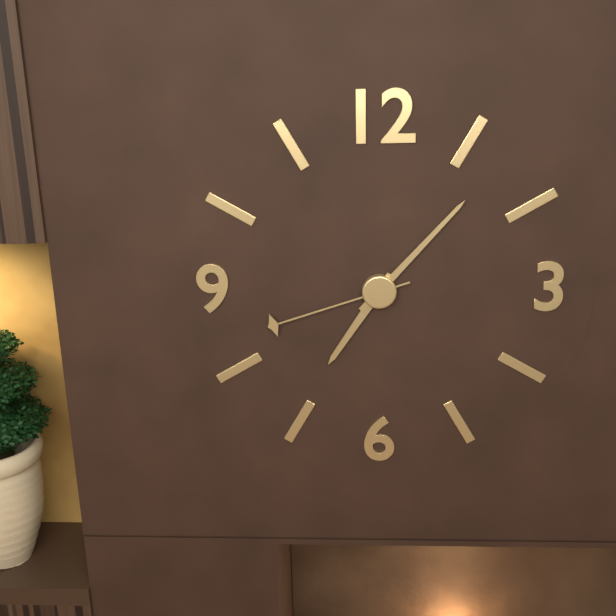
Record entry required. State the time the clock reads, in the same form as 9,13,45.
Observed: 7,07,42
